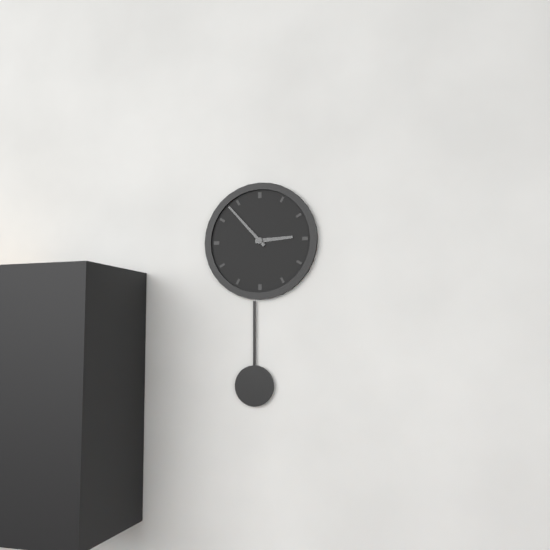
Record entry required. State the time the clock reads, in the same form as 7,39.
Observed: 2,53
